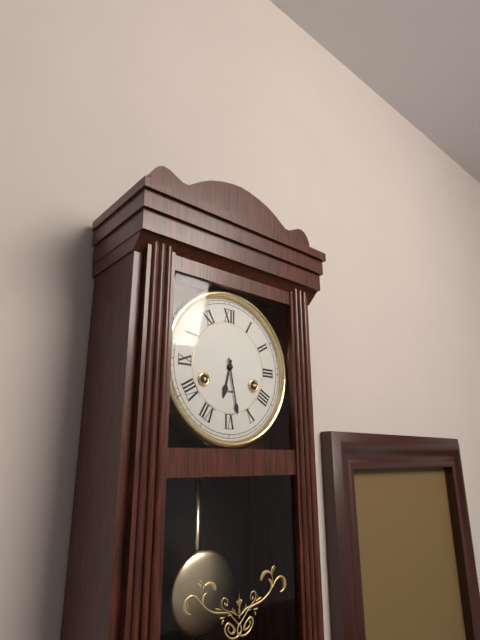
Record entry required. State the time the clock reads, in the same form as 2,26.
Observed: 6,28
